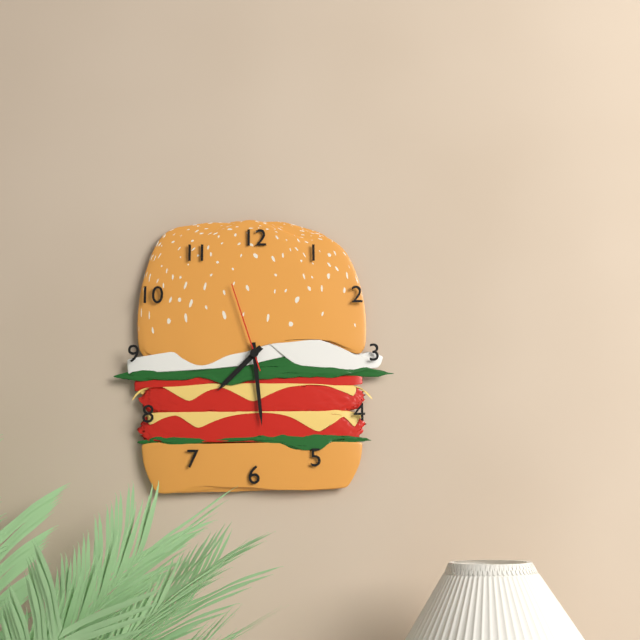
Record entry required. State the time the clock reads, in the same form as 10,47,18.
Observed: 7,29,57
